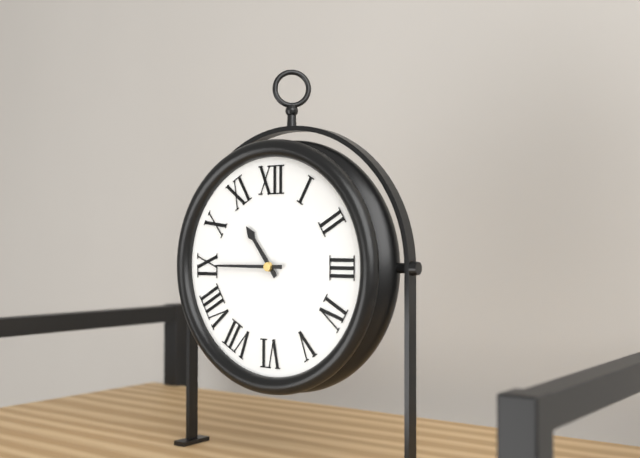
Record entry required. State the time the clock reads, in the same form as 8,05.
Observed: 10,45
